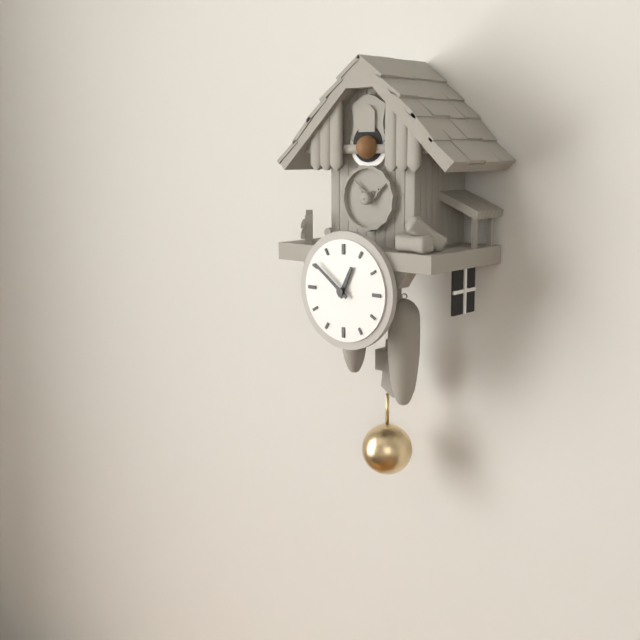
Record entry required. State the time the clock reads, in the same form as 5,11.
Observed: 12,51
